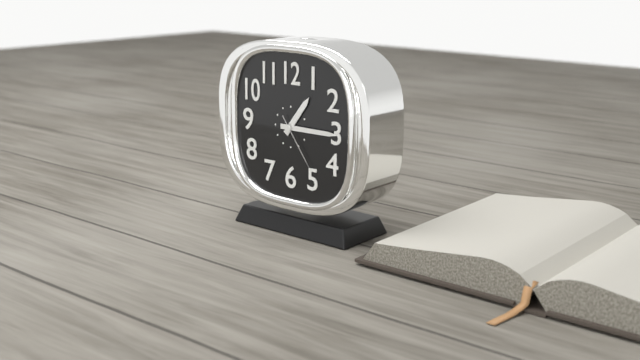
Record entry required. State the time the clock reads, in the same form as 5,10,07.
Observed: 1,15,24
